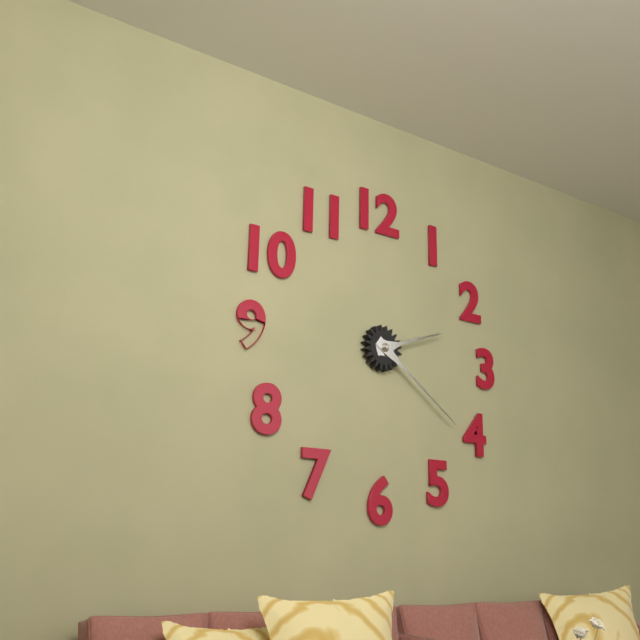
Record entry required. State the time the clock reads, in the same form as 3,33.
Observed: 2,21
